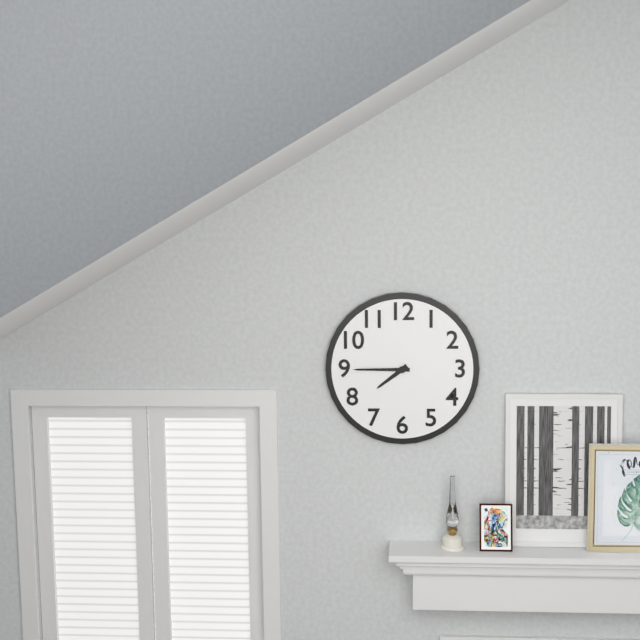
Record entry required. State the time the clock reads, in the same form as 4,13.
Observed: 7,45
